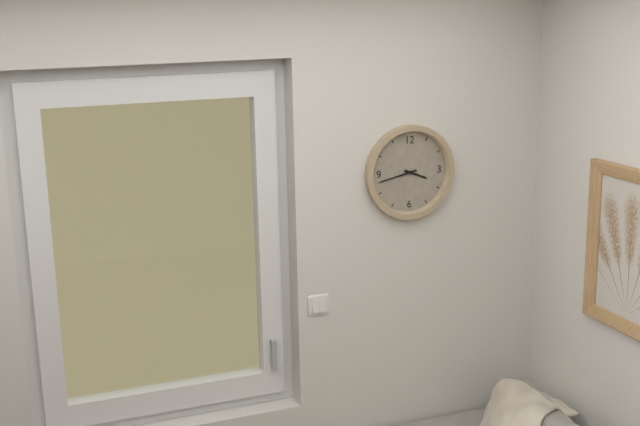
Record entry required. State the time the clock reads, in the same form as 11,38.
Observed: 3,43
